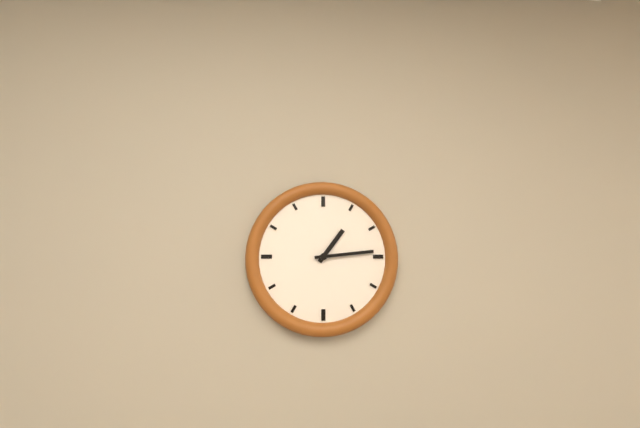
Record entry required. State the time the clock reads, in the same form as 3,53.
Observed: 1,14
